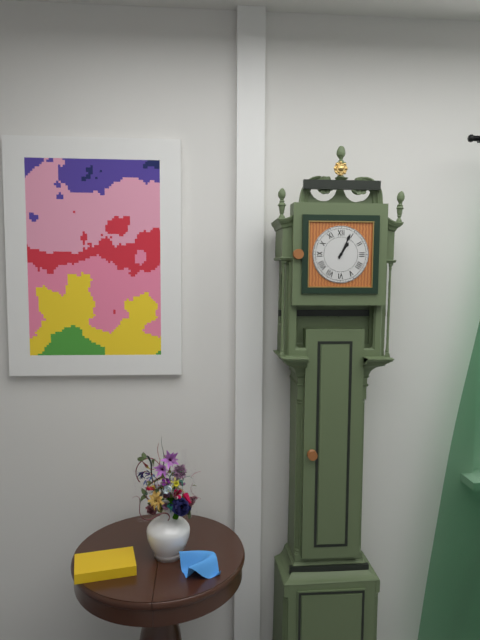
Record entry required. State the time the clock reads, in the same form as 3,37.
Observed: 1,04
